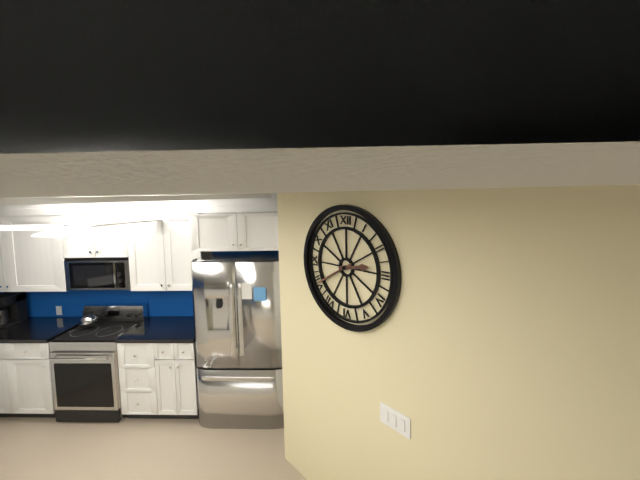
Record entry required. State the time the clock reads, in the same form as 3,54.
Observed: 2,40
